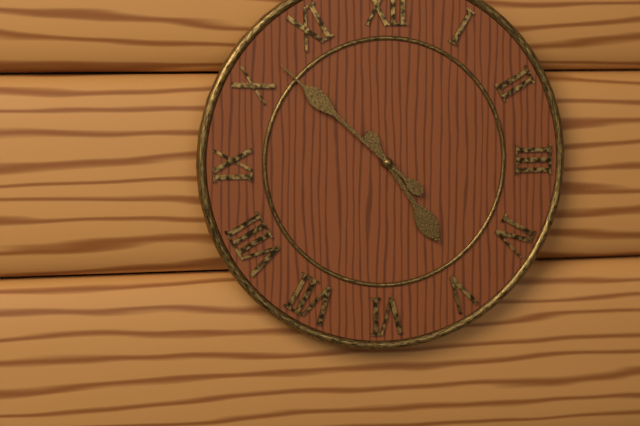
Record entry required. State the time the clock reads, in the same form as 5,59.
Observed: 4,52
